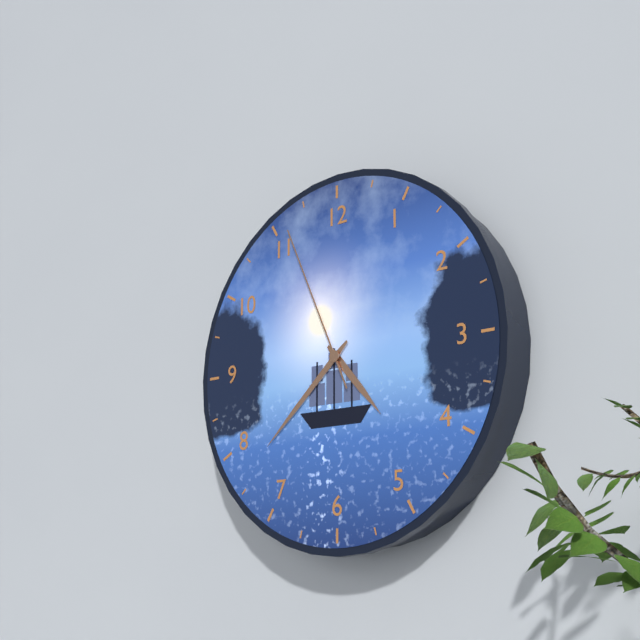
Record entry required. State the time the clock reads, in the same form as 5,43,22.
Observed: 4,38,56
